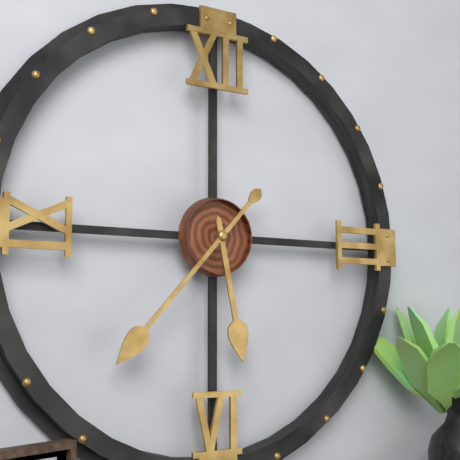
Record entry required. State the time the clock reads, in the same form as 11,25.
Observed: 5,37
